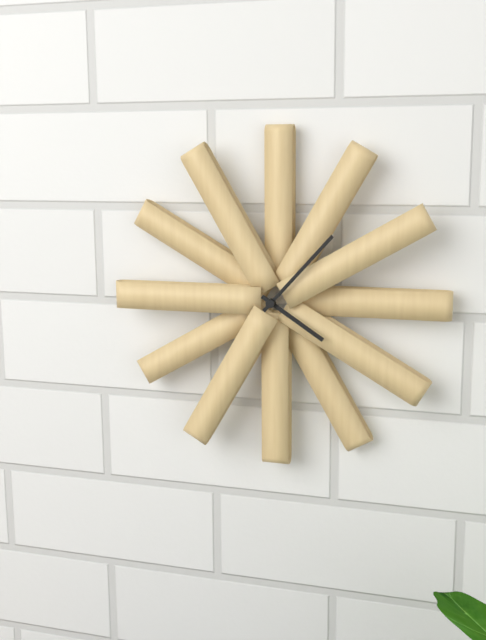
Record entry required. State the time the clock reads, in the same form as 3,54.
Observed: 4,07
